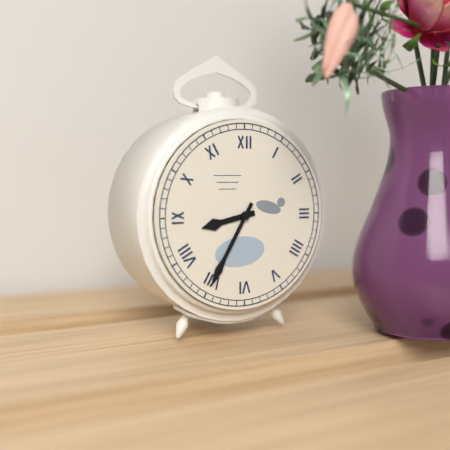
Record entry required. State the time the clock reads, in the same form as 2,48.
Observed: 8,35
